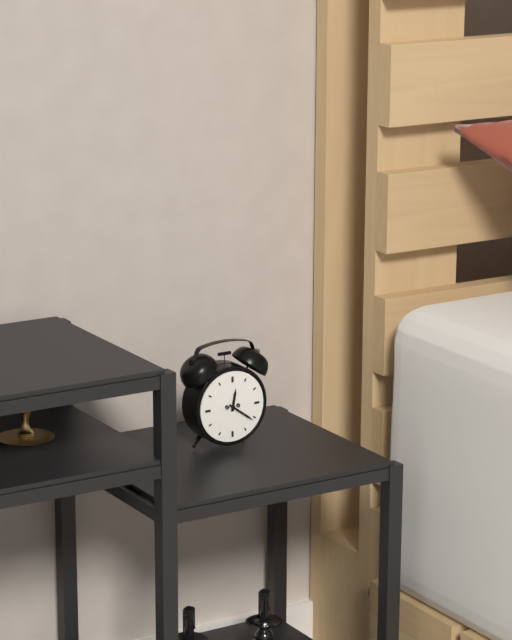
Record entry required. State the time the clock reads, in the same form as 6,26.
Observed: 12,21
